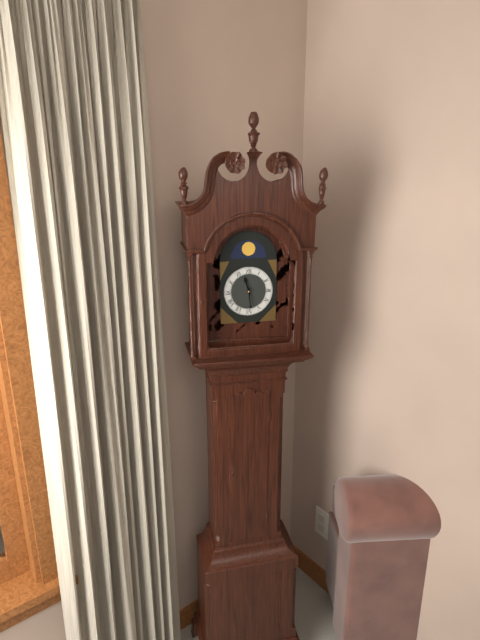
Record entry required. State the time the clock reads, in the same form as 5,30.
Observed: 11,29
